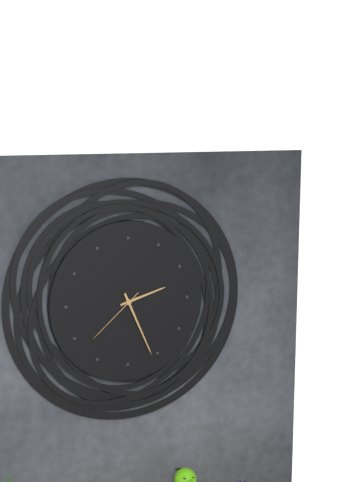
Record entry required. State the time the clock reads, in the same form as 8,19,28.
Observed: 2,26,38
